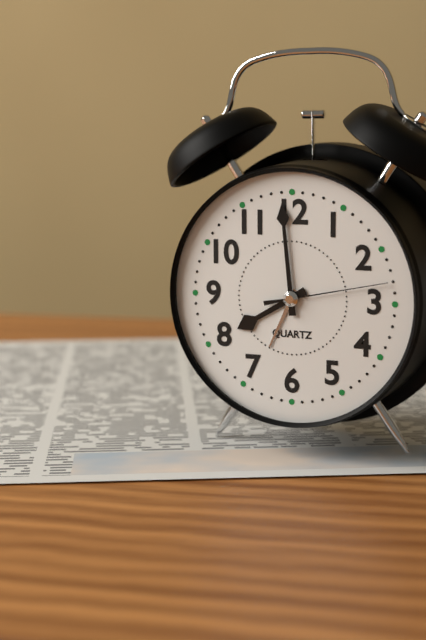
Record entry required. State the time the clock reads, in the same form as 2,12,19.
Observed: 7,59,13
